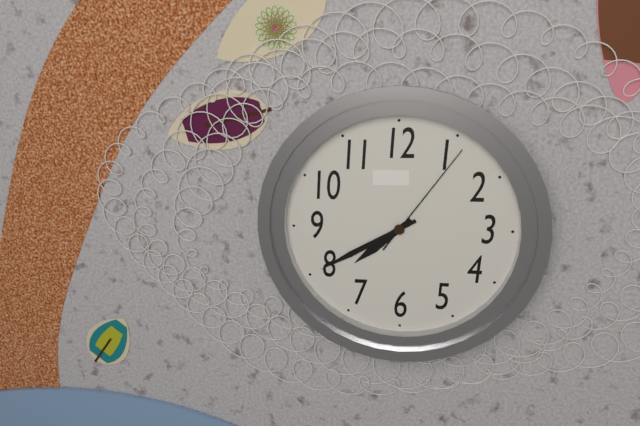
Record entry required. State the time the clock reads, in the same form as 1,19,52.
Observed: 7,40,06
